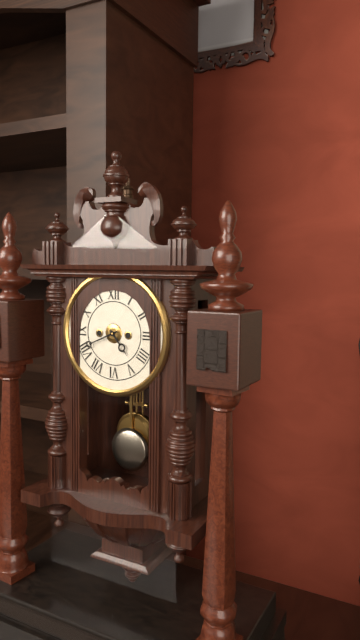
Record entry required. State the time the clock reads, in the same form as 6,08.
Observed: 4,41
